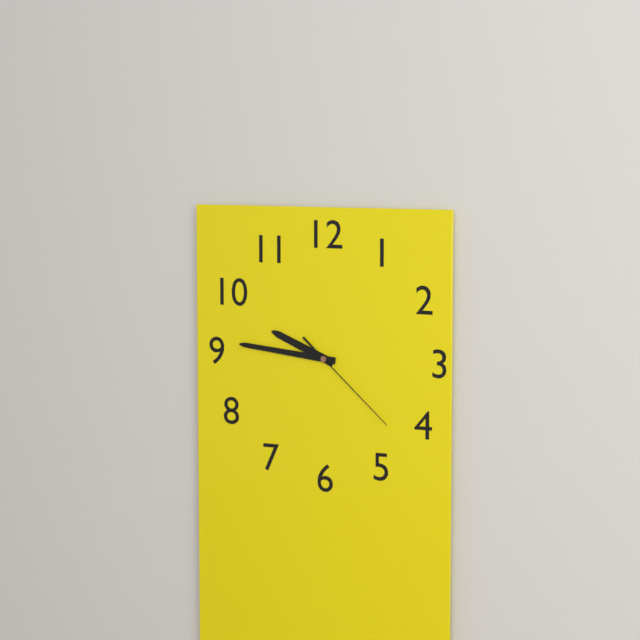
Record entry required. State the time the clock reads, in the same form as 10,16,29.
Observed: 9,46,22
